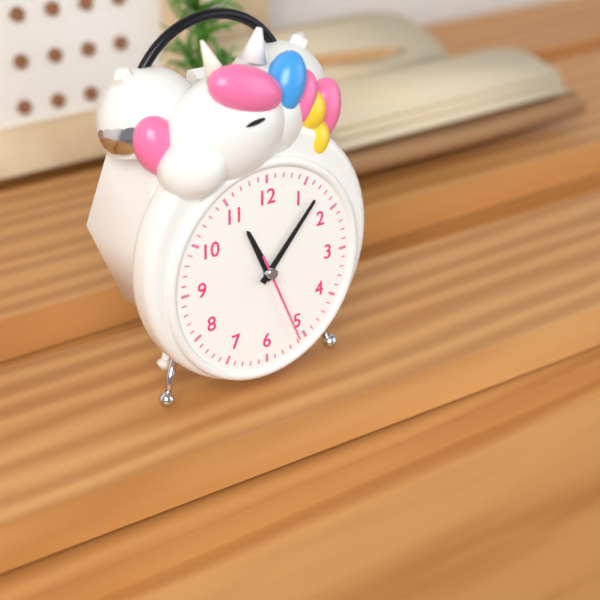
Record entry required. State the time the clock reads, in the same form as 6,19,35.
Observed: 11,07,26
